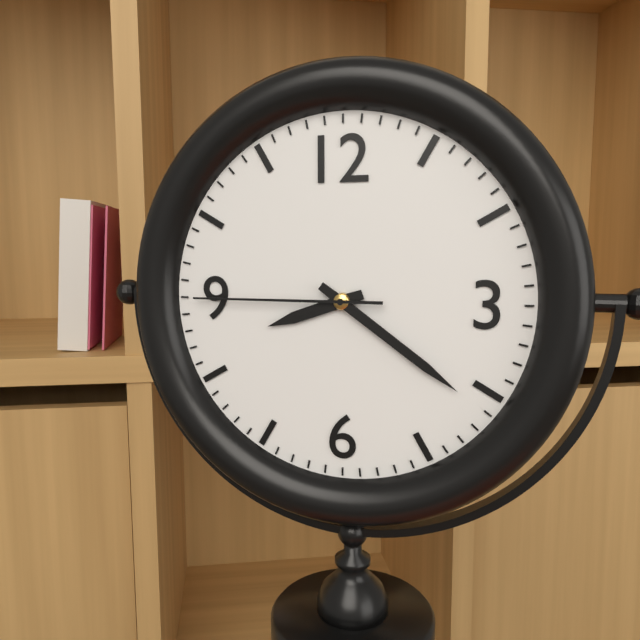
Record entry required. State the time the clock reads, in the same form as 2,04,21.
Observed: 8,21,45
